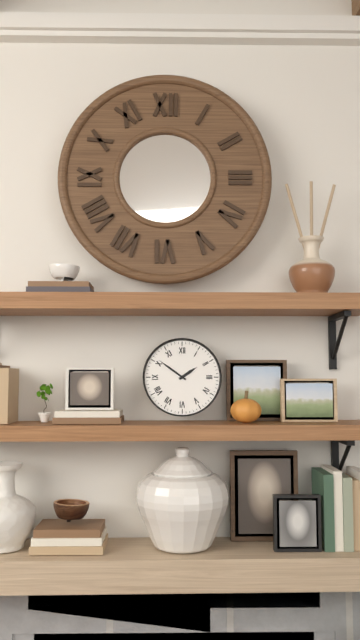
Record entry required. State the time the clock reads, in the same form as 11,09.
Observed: 1,51
